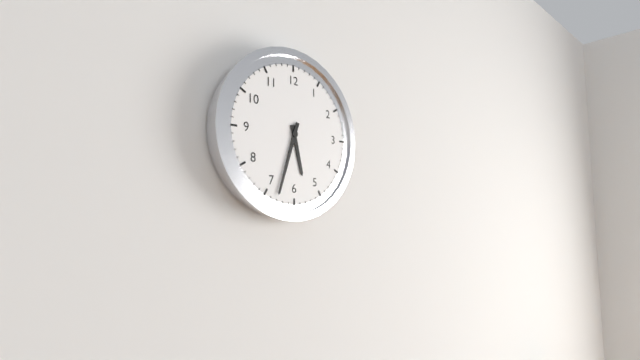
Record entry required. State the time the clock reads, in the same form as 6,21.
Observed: 5,33
